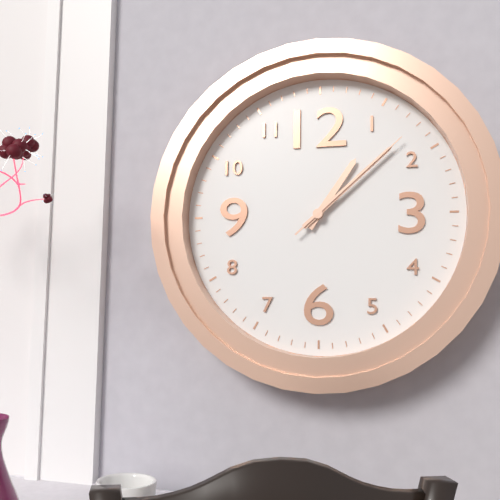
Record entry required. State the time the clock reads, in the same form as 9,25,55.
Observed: 1,08,08
